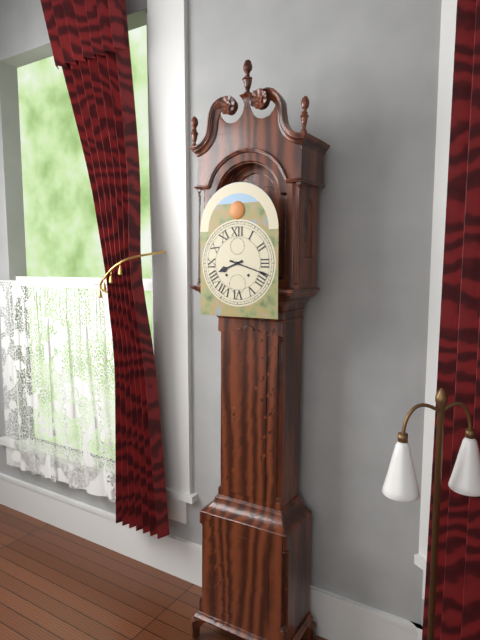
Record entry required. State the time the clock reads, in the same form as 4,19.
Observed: 8,18
